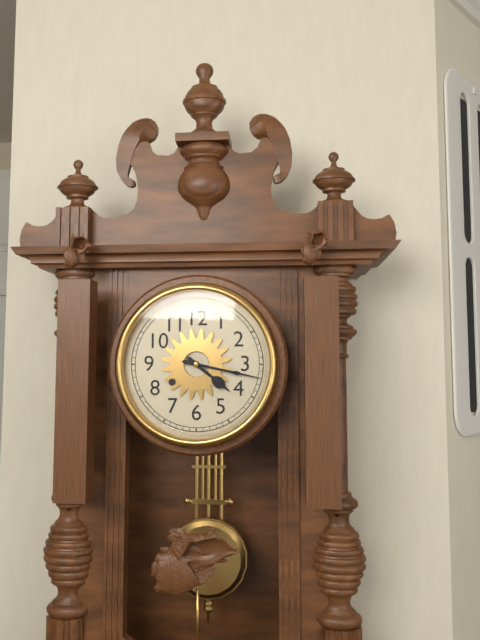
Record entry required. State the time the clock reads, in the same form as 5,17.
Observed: 4,17
